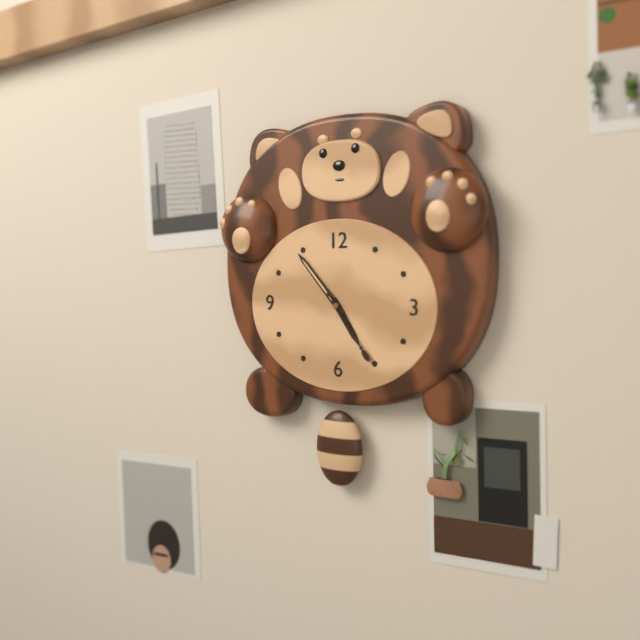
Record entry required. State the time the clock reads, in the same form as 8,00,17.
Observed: 4,53,24
